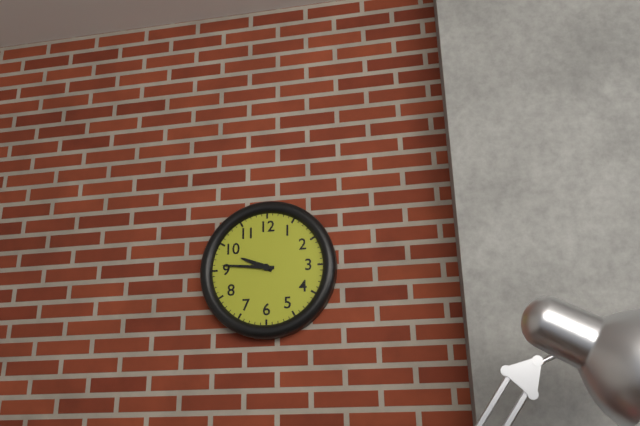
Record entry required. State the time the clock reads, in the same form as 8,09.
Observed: 9,46
